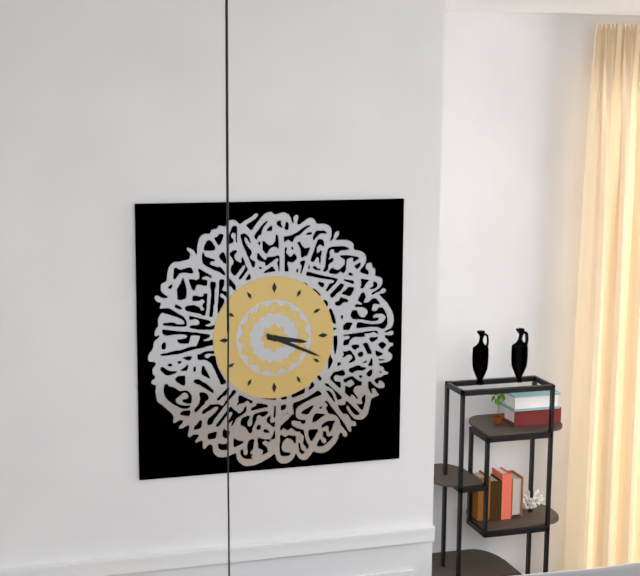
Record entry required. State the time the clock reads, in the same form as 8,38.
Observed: 3,19
